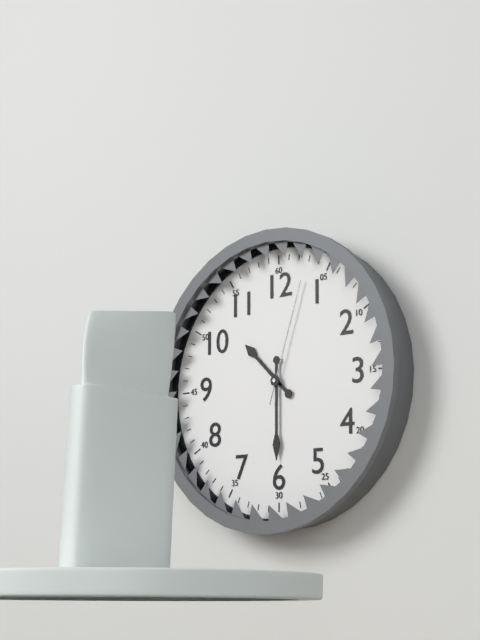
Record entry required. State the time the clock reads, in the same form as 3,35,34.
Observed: 10,30,03
